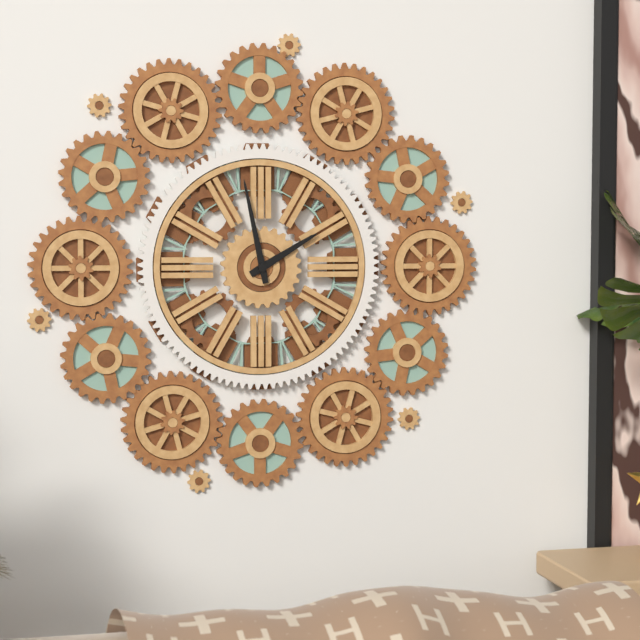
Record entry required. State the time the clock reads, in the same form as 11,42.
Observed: 1,58
